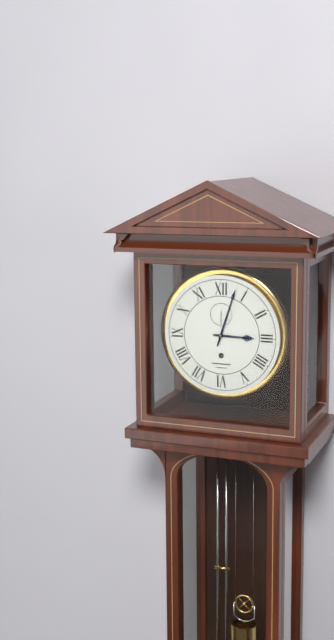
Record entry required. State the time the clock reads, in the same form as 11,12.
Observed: 3,03
